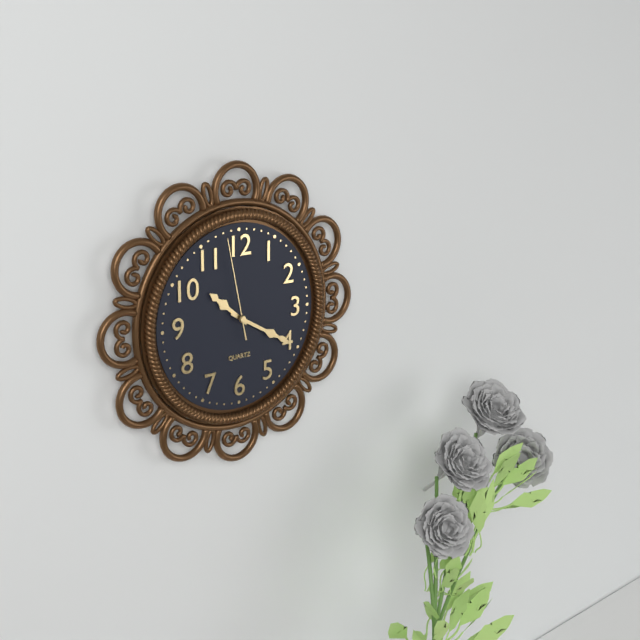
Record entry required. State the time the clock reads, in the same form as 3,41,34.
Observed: 10,20,58
